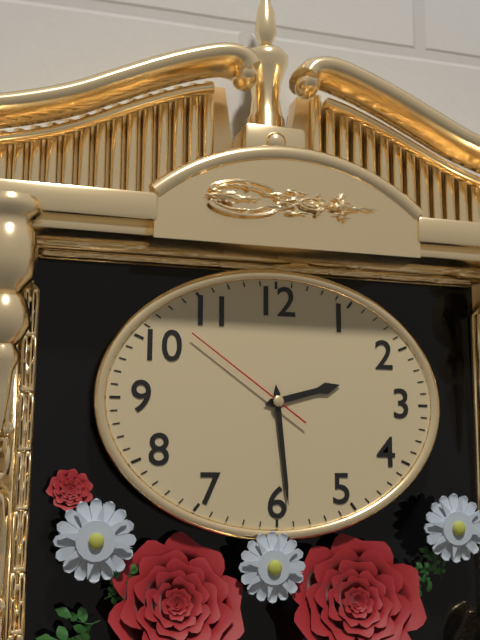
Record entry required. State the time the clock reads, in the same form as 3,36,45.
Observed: 2,29,51
